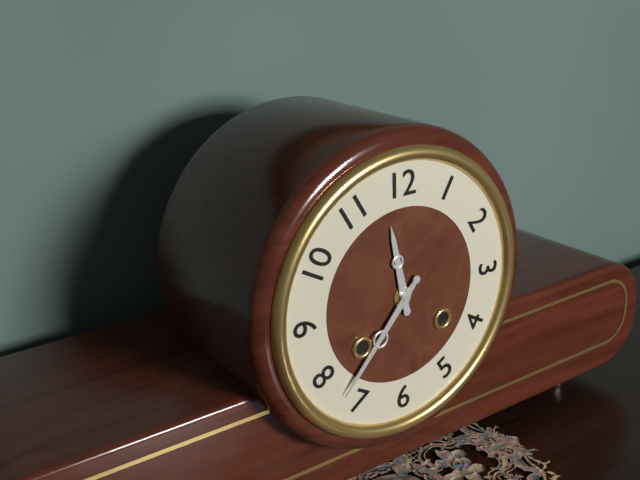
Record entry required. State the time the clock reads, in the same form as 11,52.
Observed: 11,37
